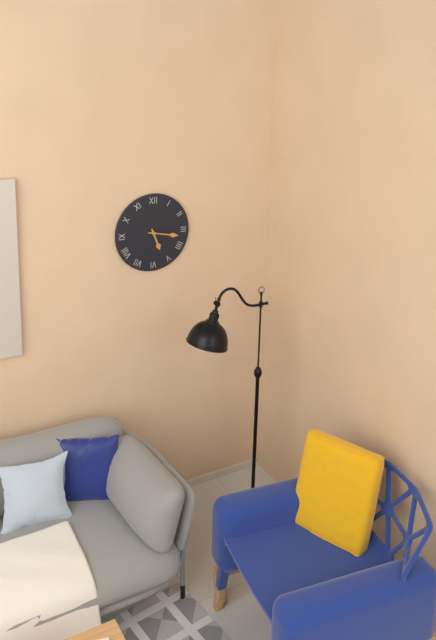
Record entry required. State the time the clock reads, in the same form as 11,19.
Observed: 5,17
